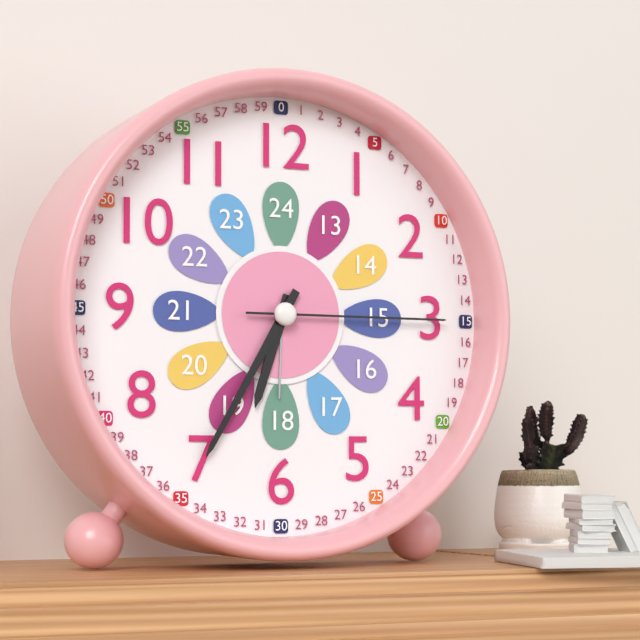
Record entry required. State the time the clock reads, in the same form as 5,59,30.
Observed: 6,35,15
